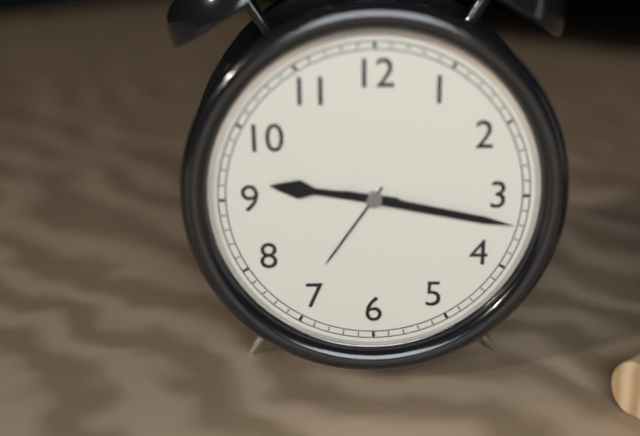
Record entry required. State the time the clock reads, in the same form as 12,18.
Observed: 9,17
